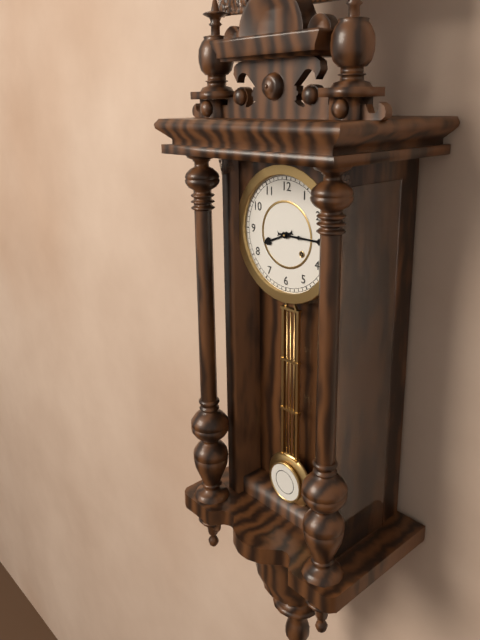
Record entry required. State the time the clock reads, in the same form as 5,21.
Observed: 8,15
